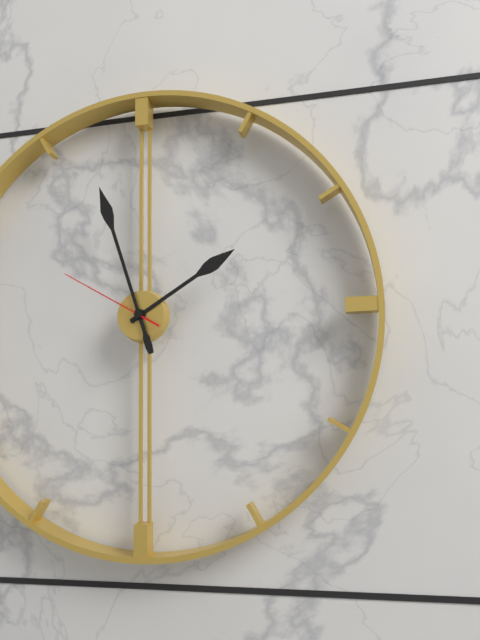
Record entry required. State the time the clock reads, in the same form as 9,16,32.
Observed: 1,57,50
